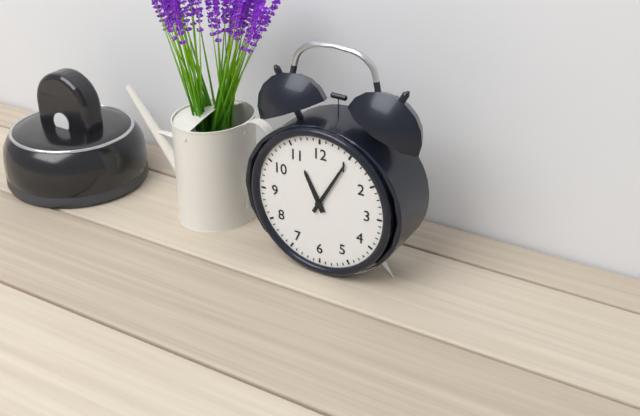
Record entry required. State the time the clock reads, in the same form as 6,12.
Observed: 11,05
